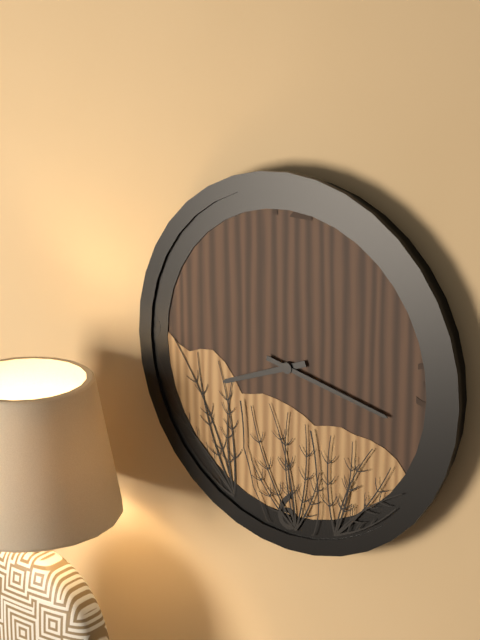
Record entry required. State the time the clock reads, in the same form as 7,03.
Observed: 8,17
